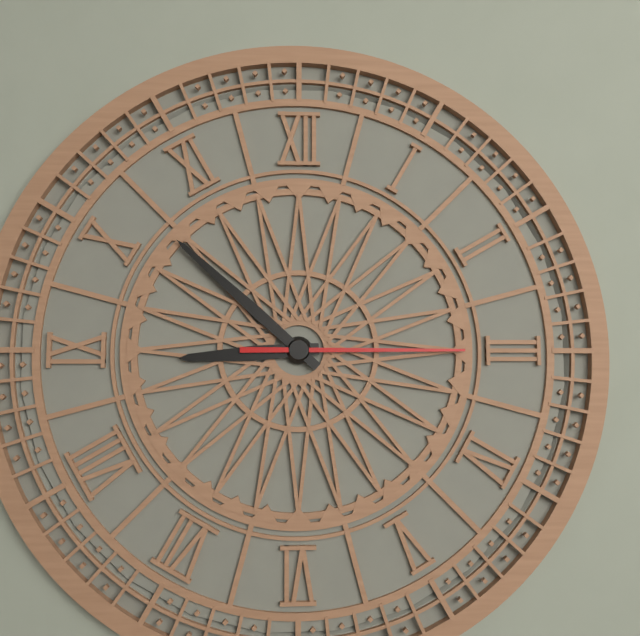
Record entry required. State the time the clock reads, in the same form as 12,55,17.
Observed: 8,52,15
